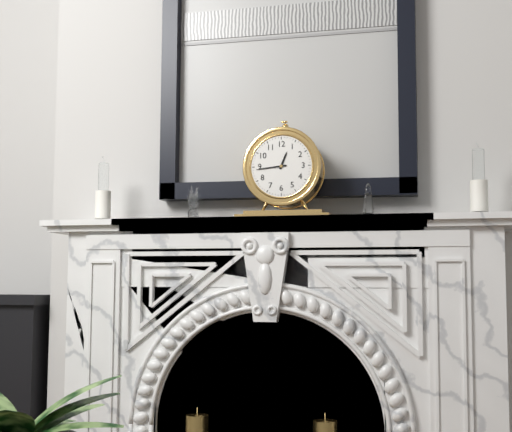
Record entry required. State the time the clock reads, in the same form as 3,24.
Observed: 12,44
